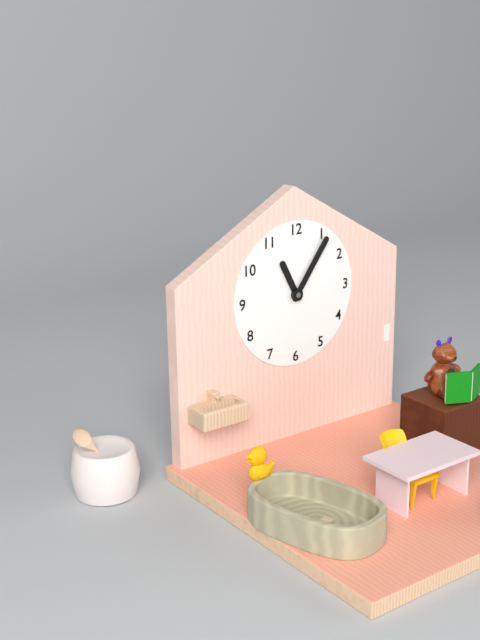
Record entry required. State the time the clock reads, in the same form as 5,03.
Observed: 11,06
